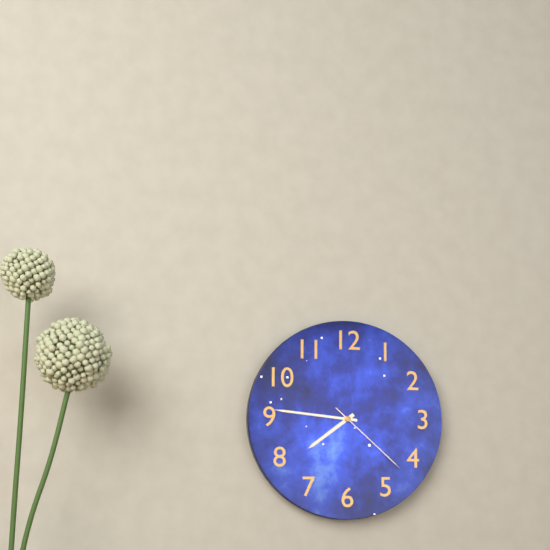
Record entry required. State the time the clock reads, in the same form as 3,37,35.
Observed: 7,46,22
